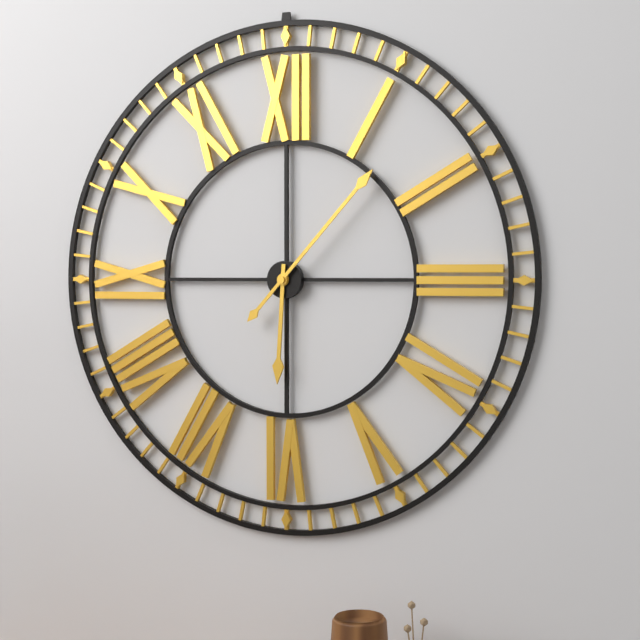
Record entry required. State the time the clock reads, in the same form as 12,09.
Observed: 6,07
